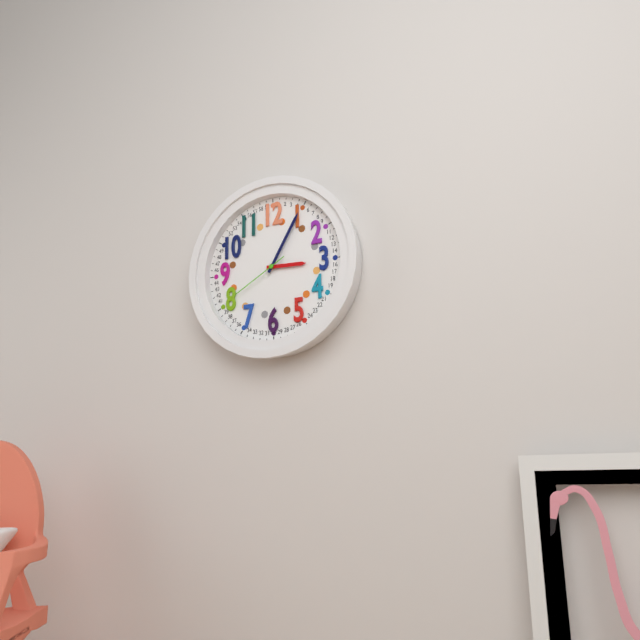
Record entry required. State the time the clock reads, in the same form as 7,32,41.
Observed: 3,05,40
